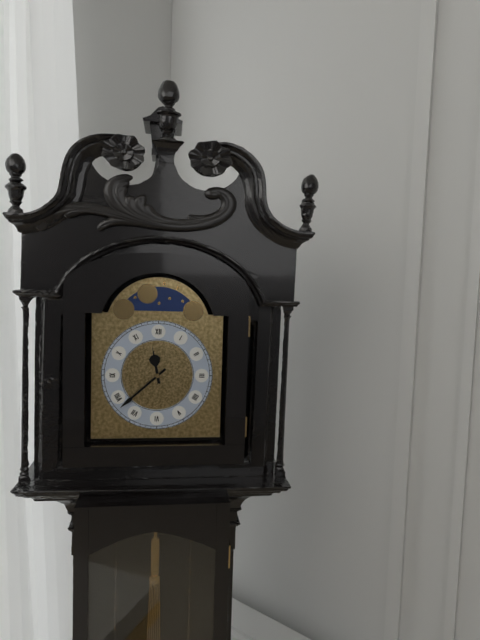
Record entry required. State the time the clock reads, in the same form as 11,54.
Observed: 11,38
